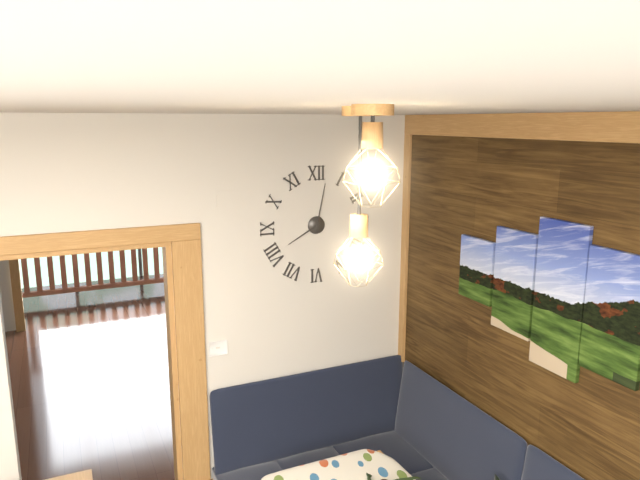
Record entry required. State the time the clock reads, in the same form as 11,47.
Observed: 8,02
